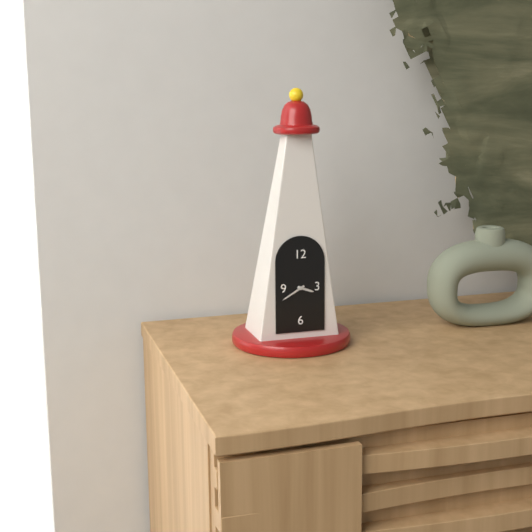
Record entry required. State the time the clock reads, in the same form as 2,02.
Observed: 3,40
